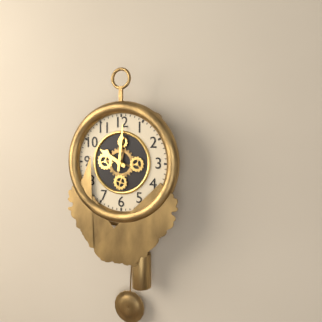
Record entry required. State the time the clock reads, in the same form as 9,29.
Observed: 10,01
